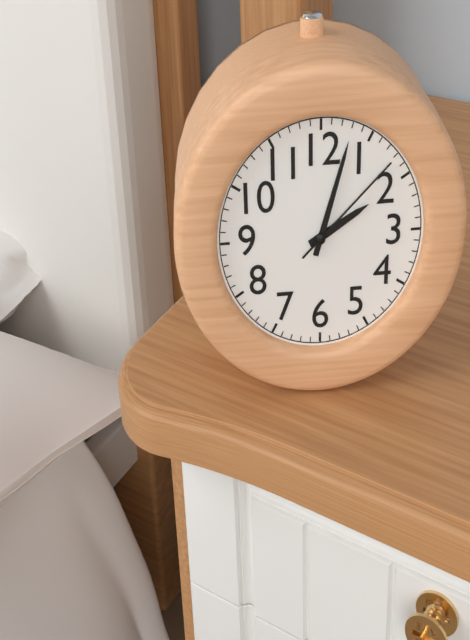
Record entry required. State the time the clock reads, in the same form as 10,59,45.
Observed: 2,03,08
